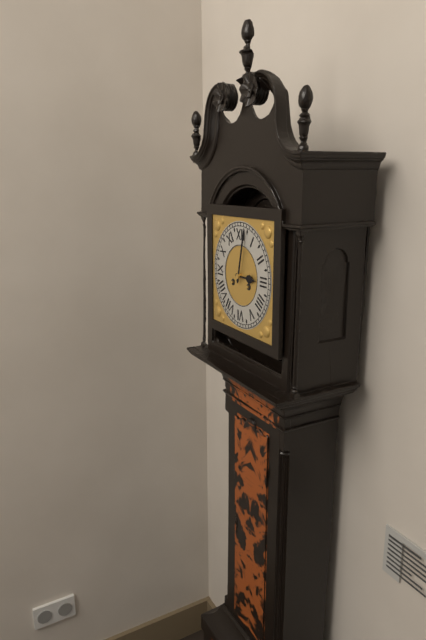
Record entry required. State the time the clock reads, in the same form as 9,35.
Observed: 3,02
